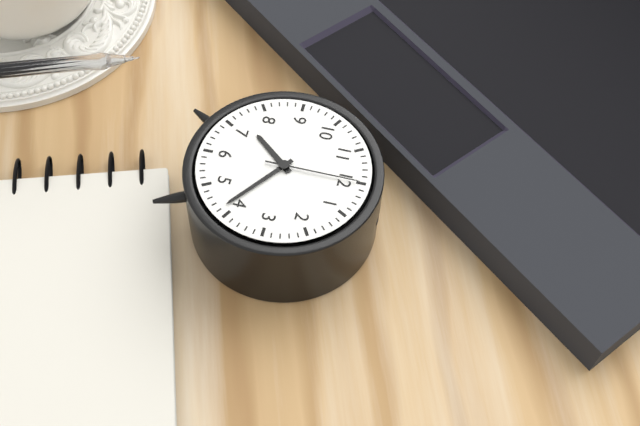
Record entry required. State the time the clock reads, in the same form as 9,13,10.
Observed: 7,21,00
